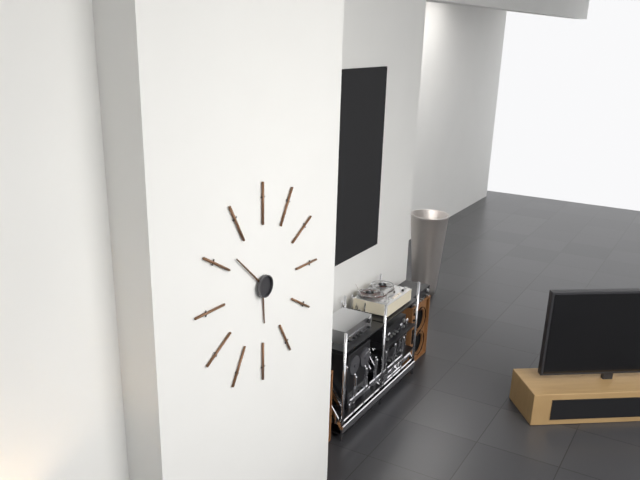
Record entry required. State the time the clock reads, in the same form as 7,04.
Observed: 5,52
